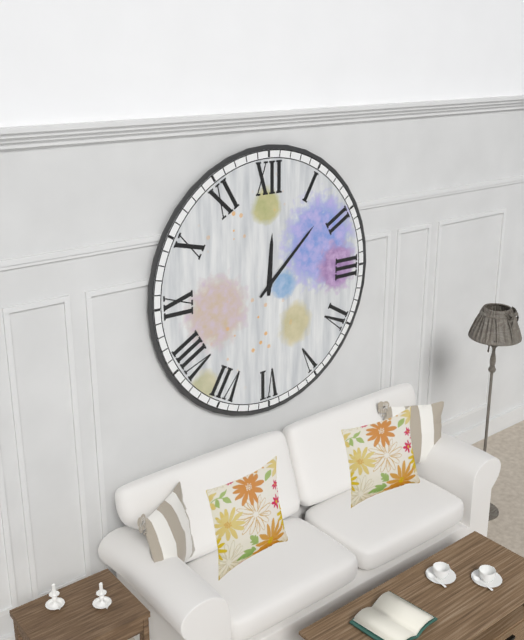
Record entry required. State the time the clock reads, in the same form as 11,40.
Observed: 12,08
